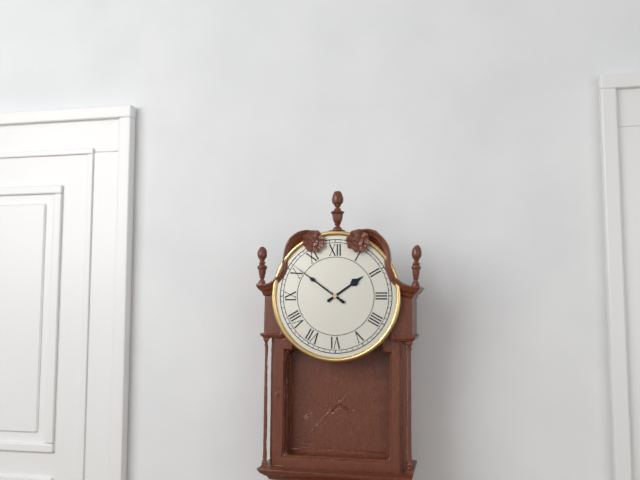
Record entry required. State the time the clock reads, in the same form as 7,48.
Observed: 1,51
